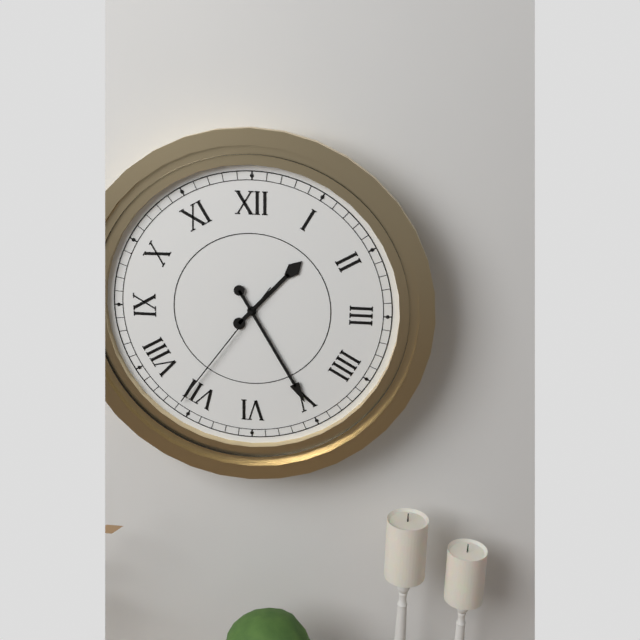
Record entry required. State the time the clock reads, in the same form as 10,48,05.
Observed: 1,25,36
